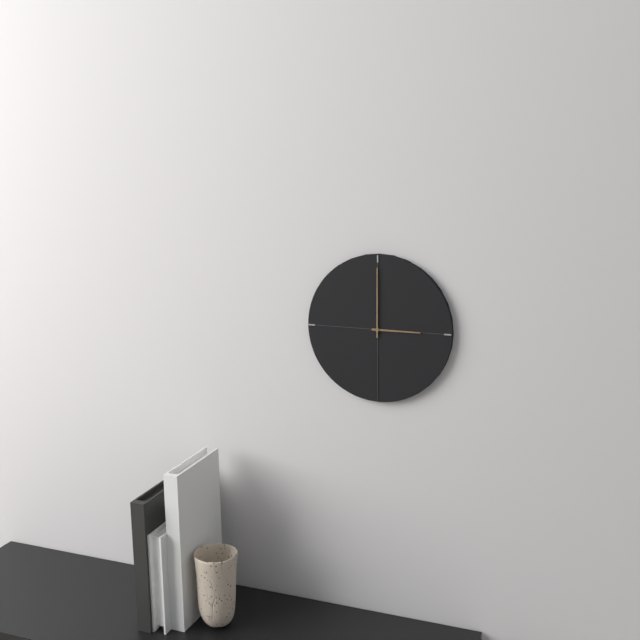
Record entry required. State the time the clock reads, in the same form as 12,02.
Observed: 3,00
